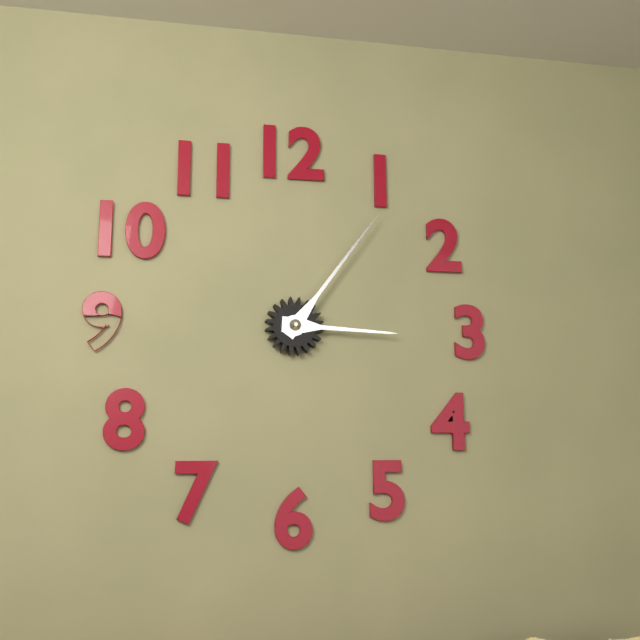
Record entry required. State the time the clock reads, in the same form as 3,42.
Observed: 3,06
